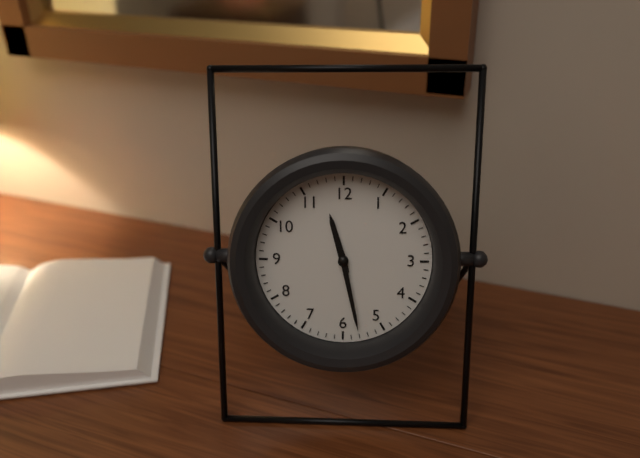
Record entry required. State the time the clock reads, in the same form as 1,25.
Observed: 11,28
